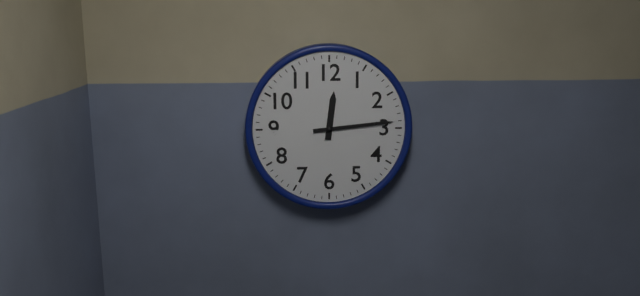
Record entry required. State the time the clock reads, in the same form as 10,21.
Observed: 12,14
